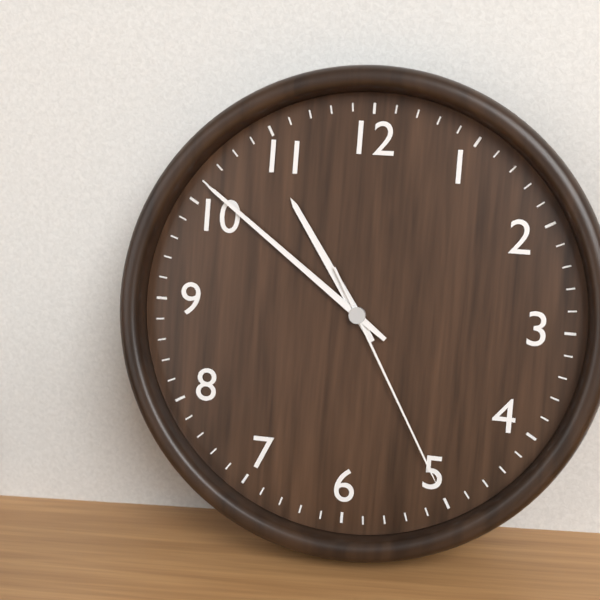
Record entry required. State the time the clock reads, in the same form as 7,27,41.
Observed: 10,51,25
